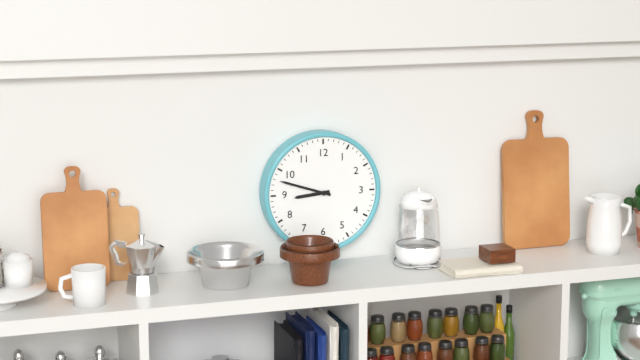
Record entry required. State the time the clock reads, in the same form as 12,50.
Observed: 8,48
